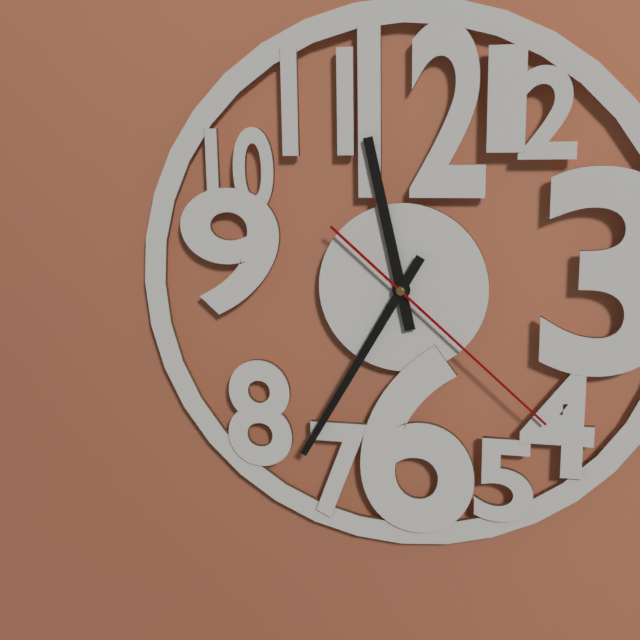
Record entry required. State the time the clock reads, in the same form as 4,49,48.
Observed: 11,35,22
